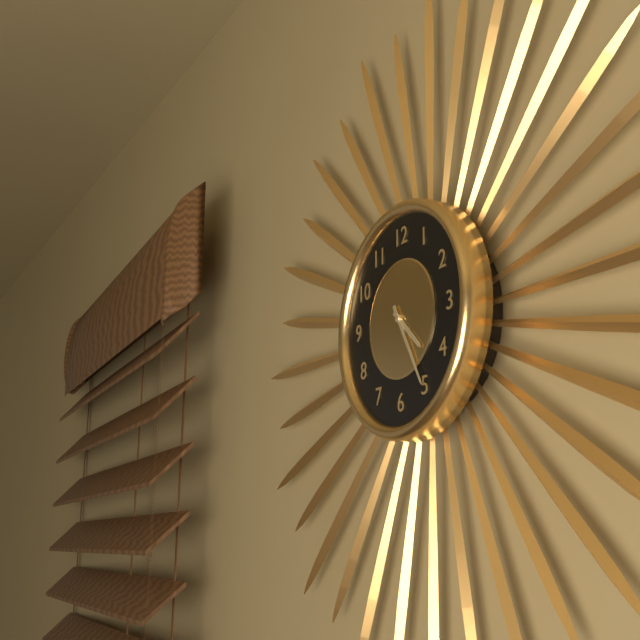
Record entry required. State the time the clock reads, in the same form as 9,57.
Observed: 4,25
